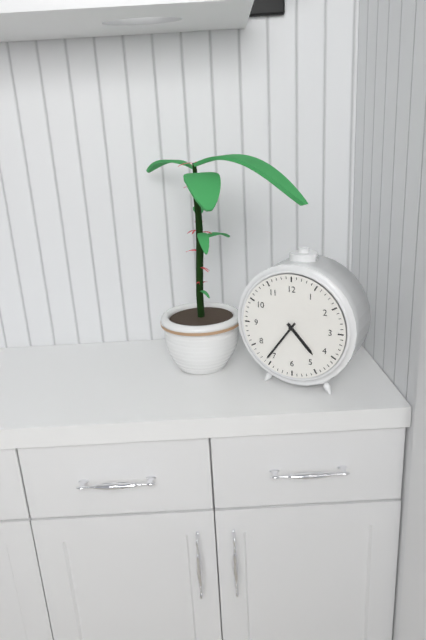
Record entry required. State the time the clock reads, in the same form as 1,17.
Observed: 4,36
